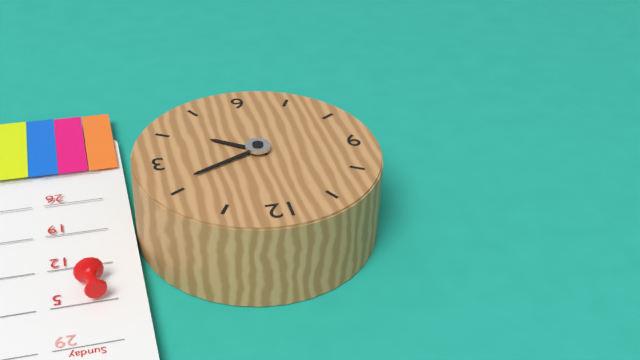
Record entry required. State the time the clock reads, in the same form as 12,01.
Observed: 4,11
